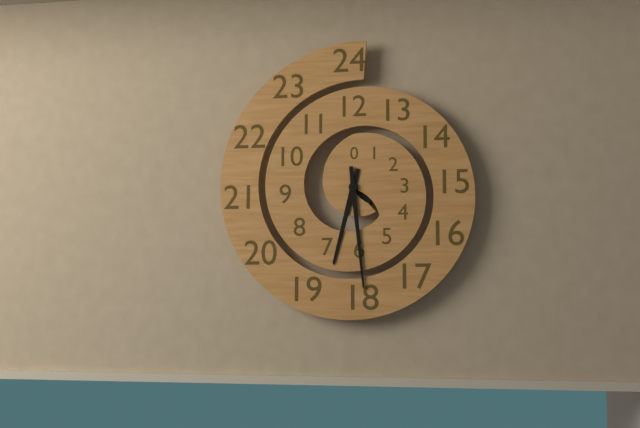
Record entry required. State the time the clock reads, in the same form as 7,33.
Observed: 6,29
